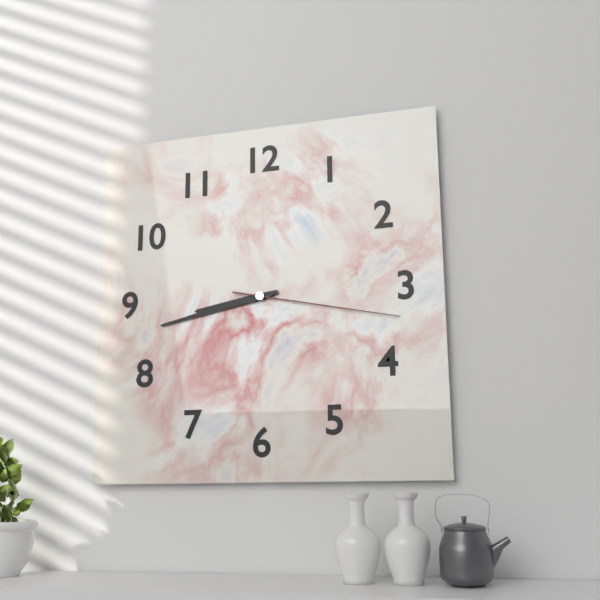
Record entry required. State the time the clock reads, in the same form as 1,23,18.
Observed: 8,43,17
